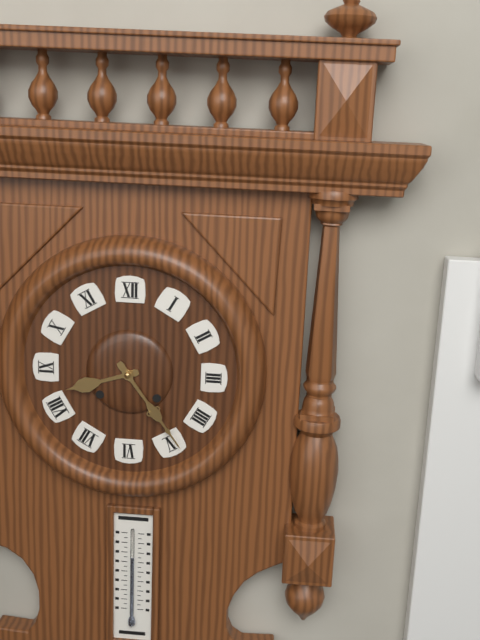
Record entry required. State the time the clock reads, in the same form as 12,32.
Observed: 8,24
